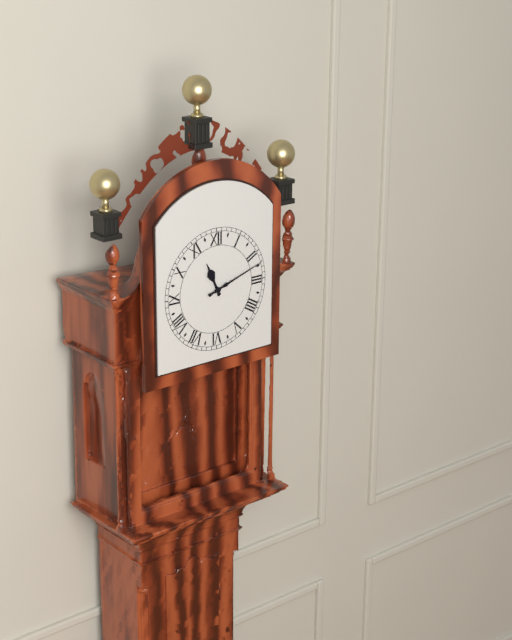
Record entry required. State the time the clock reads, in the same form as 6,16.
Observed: 11,12
